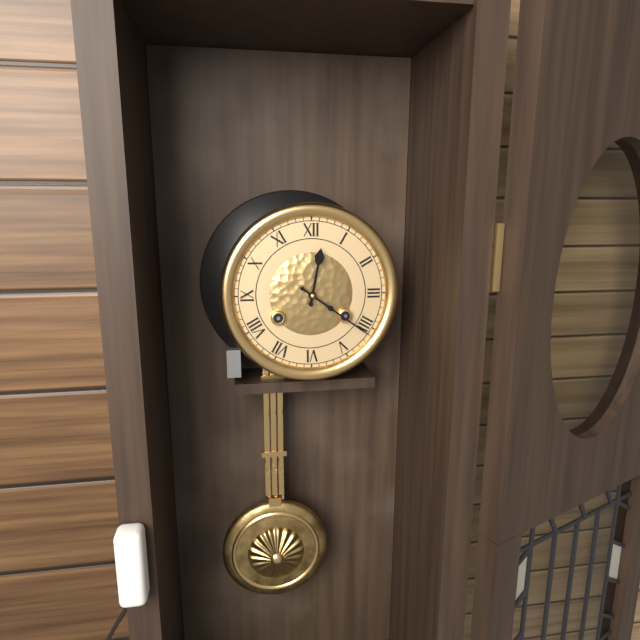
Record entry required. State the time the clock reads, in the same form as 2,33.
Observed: 12,21
